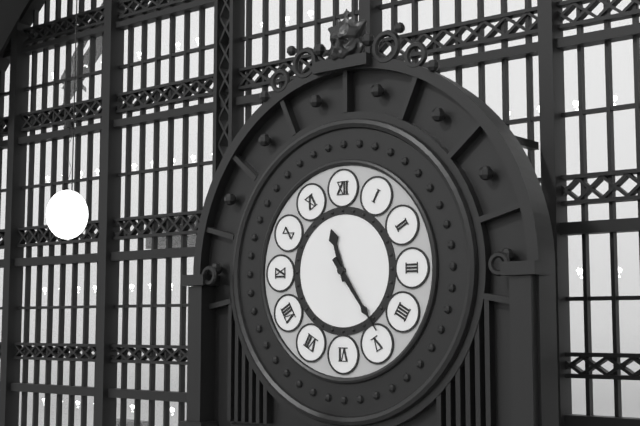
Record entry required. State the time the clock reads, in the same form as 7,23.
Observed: 11,24
